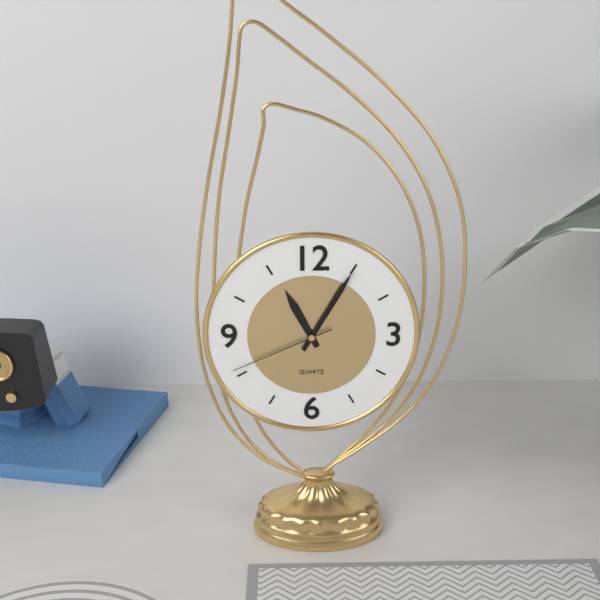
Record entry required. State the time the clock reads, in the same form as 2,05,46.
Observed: 11,05,41
